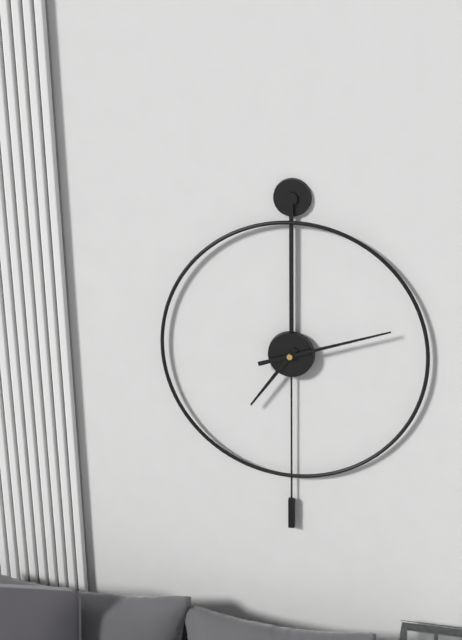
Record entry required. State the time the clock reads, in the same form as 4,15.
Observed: 7,12
